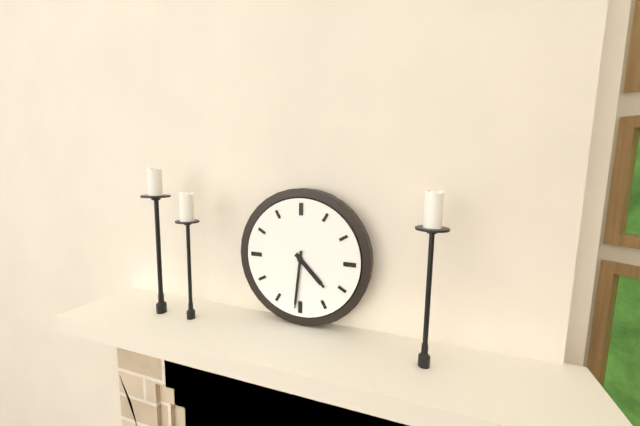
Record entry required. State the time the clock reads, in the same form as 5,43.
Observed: 4,31
